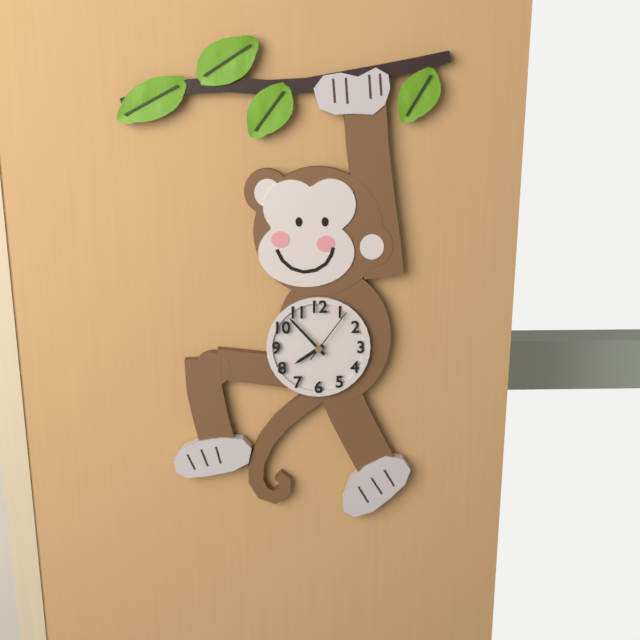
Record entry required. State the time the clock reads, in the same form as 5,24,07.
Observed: 7,53,06
